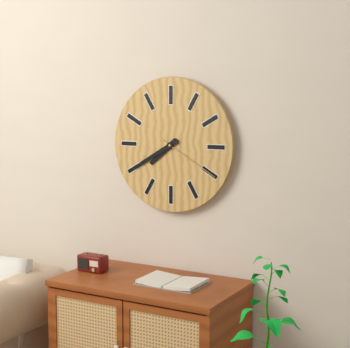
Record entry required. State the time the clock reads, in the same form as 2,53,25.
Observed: 7,40,20
